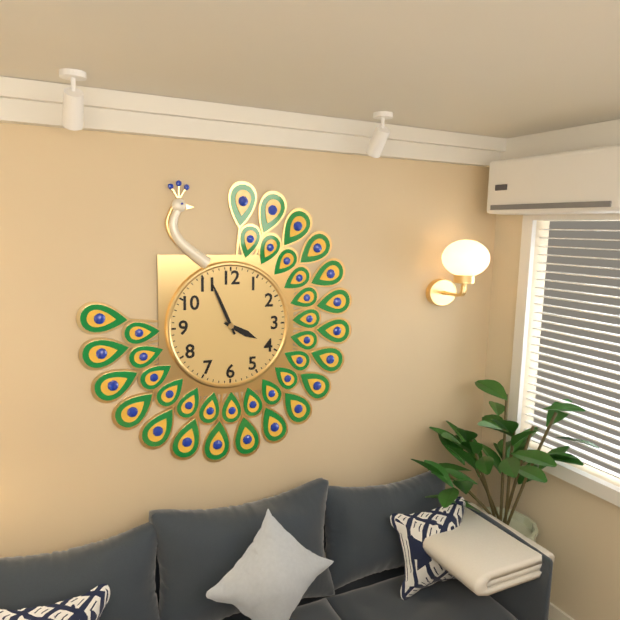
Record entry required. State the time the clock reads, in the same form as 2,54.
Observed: 3,56
